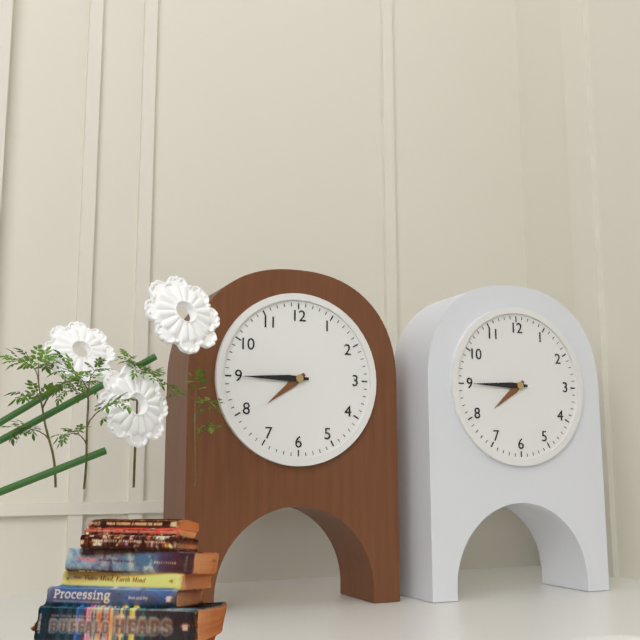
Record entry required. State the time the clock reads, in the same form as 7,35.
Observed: 7,45
